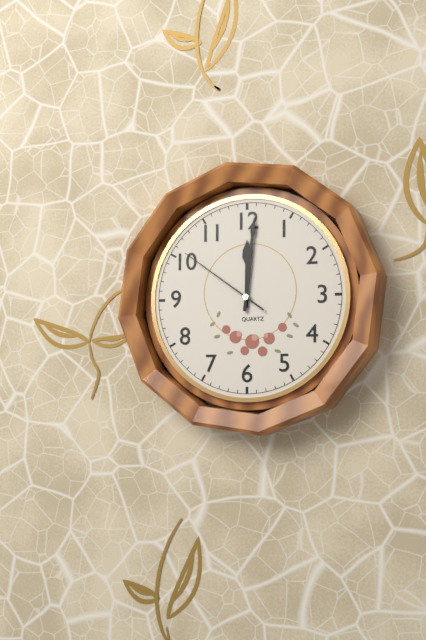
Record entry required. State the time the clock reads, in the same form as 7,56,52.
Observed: 12,01,51
